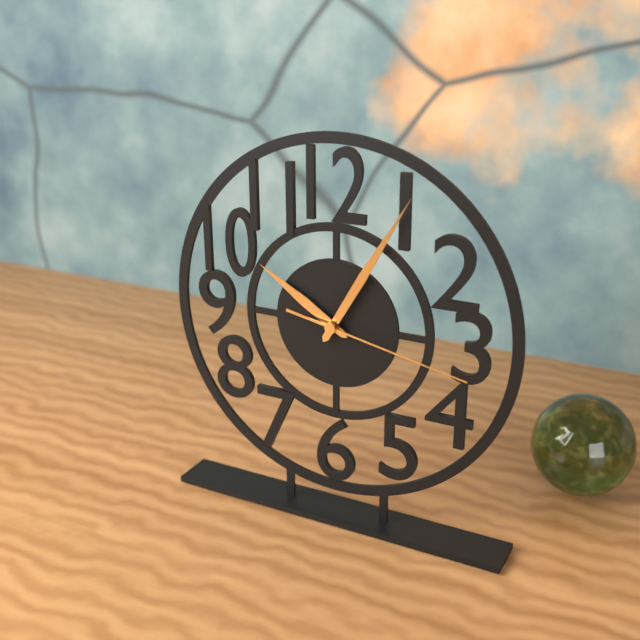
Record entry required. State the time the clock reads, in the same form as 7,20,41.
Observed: 10,05,17
